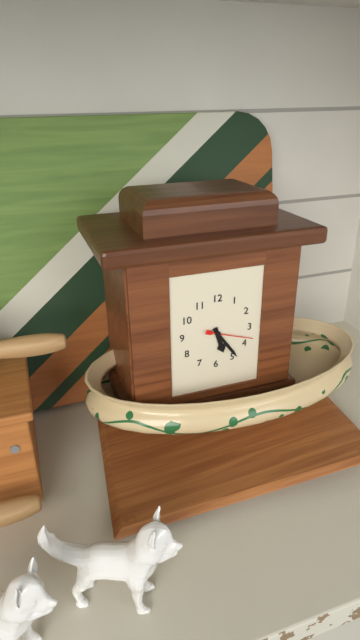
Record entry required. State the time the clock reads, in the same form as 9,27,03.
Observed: 5,24,18
